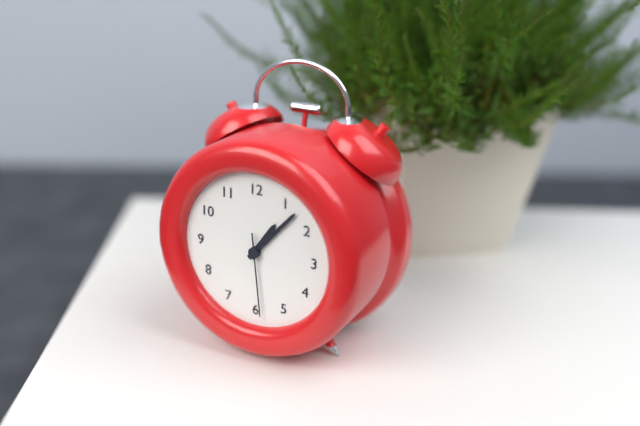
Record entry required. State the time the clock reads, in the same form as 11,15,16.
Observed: 1,07,29
